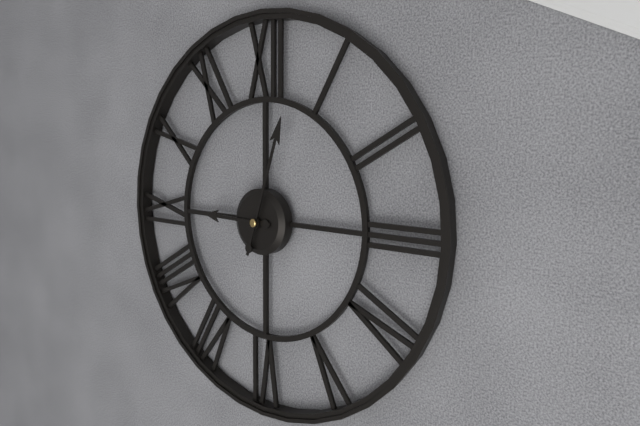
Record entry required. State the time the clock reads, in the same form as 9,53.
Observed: 9,03
